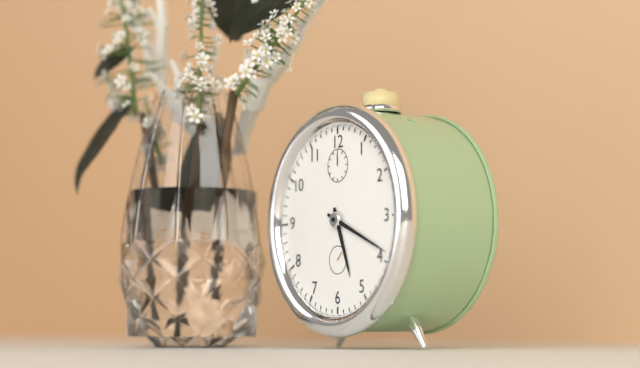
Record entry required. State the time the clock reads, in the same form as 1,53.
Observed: 5,19
